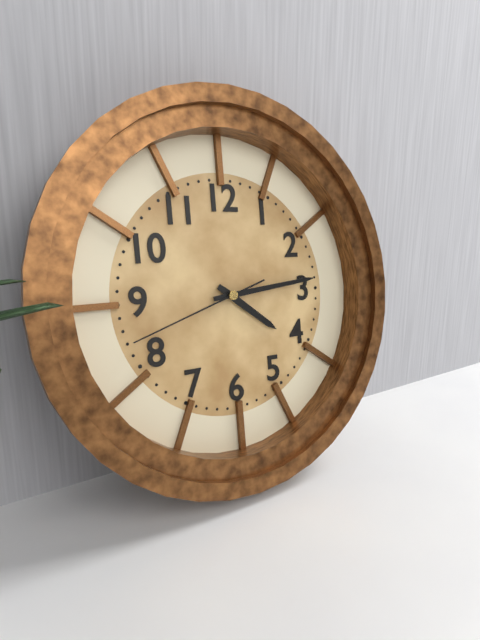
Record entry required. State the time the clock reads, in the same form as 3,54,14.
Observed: 4,14,42
